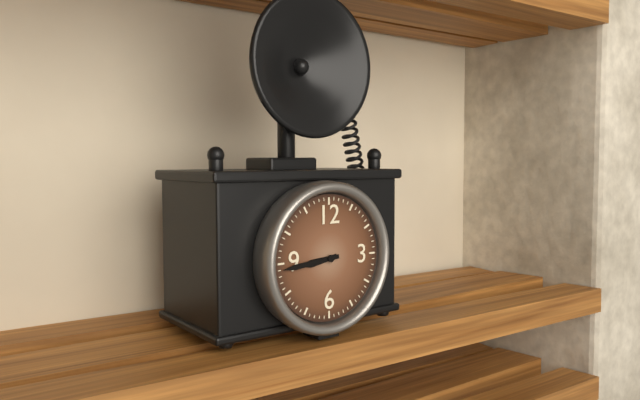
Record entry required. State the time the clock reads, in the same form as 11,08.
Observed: 8,44
